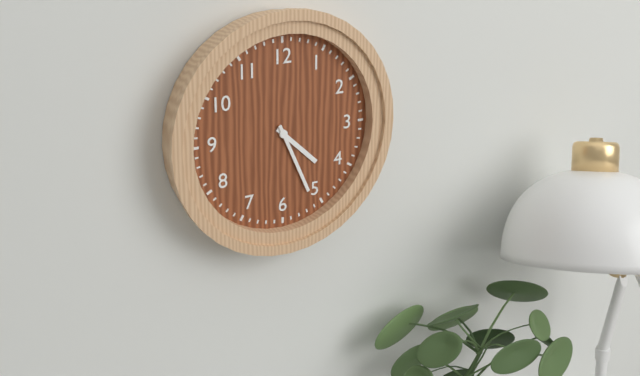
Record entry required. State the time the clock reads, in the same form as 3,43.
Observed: 4,26
